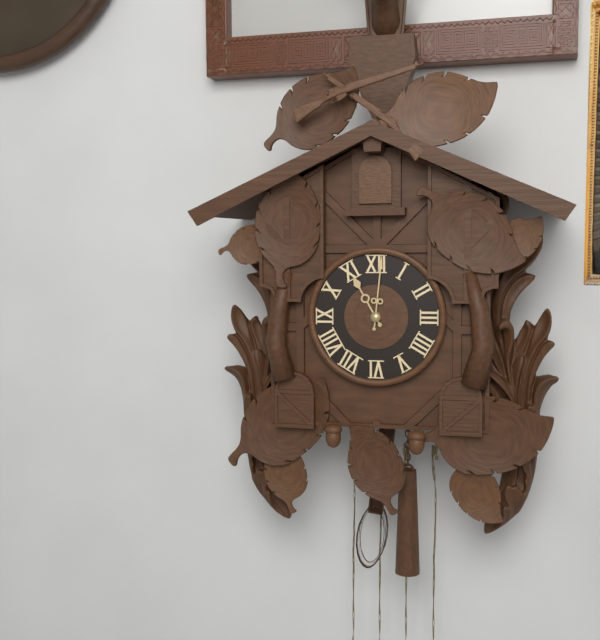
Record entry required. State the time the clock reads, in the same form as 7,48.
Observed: 11,01
